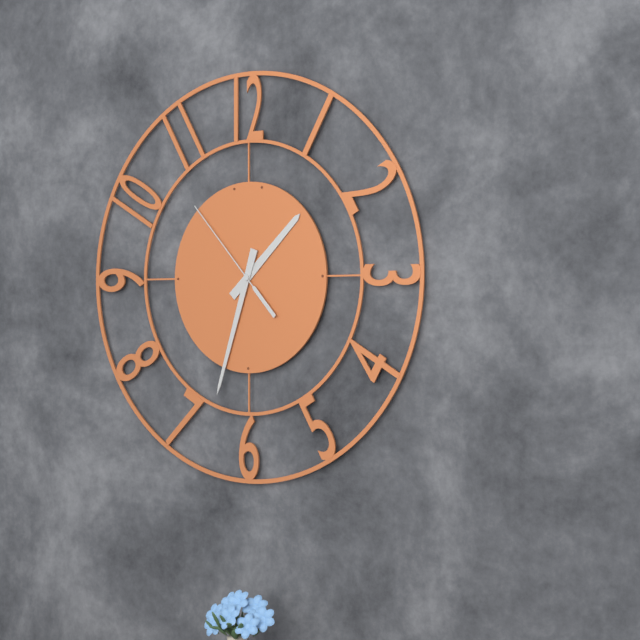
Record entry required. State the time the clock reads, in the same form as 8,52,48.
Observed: 1,33,53
